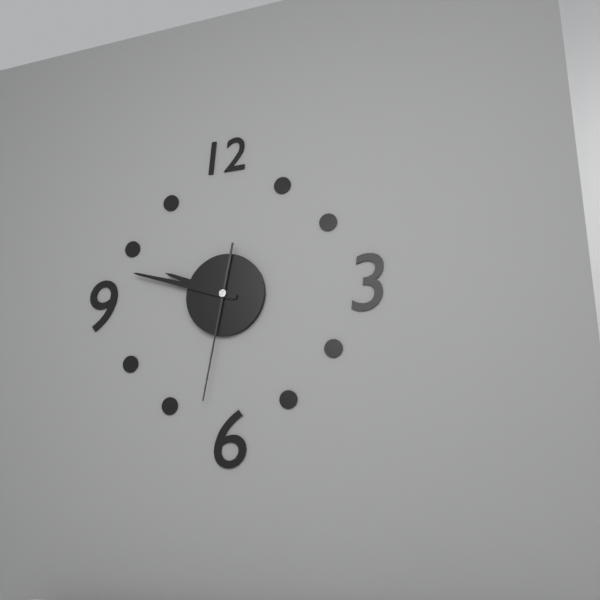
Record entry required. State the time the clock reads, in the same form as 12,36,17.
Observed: 9,48,32
